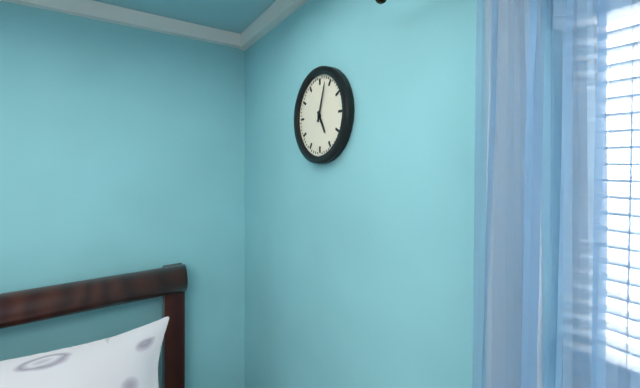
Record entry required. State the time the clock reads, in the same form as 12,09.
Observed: 5,03
